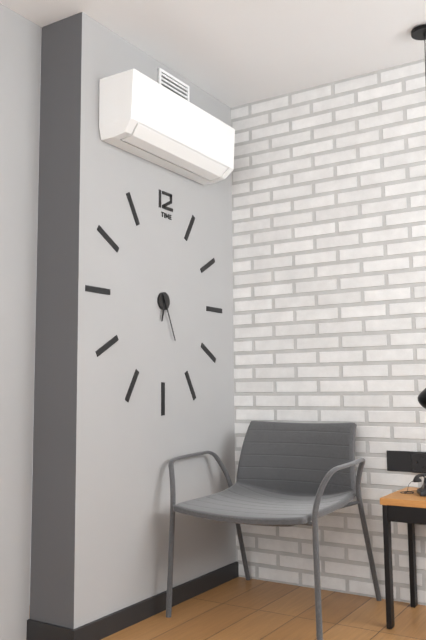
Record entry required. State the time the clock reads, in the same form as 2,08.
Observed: 6,26
